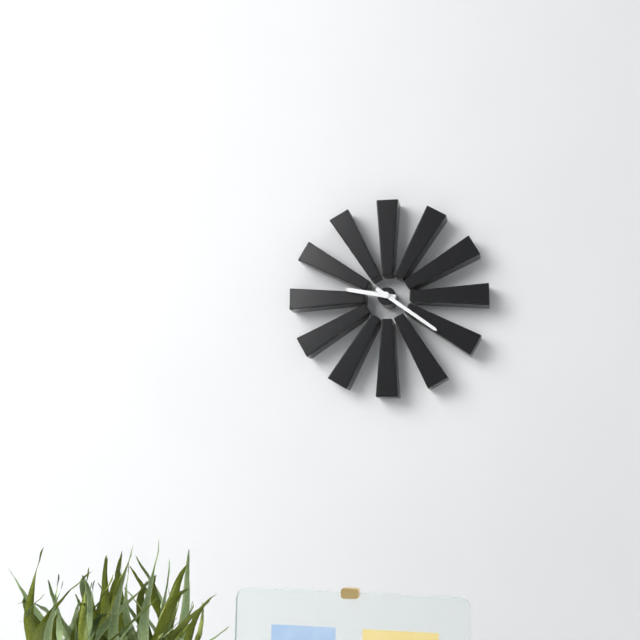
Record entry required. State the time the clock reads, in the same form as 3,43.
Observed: 9,21
